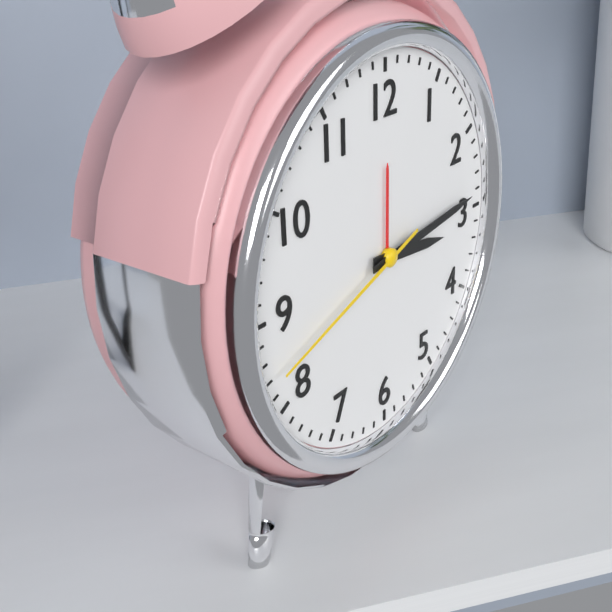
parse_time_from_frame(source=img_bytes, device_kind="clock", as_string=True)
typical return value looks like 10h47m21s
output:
3h14m42s
